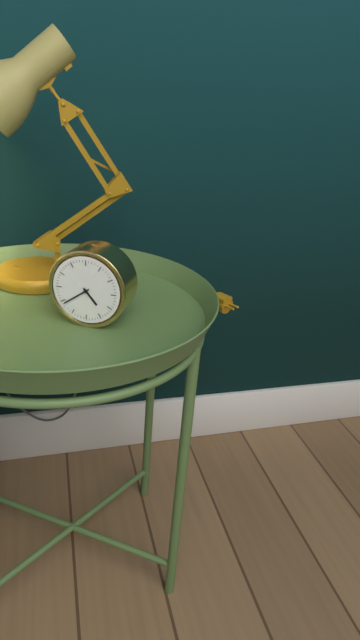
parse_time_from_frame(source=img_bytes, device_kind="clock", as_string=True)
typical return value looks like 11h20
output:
4h39
